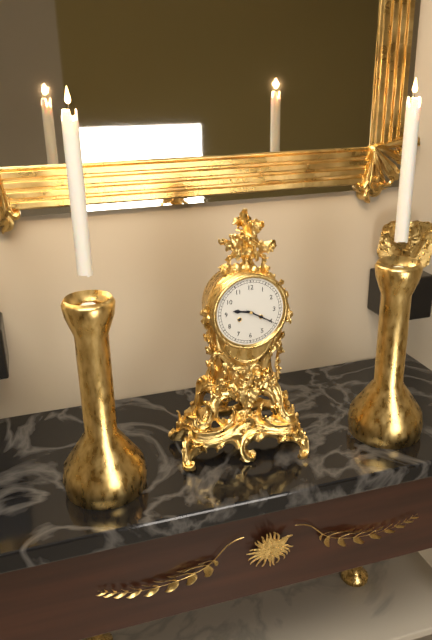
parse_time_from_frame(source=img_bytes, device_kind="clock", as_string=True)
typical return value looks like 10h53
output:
9h20
